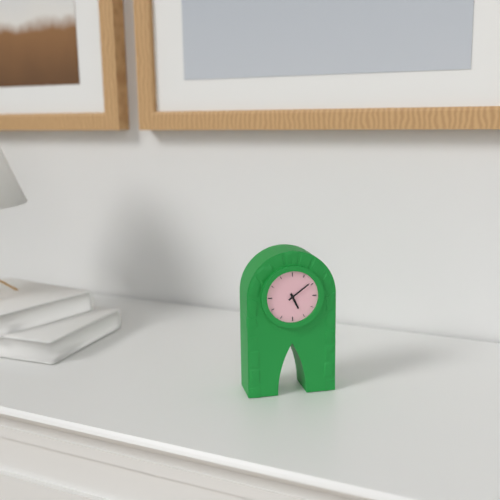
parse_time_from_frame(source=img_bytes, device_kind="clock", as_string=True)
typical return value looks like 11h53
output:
5h09
